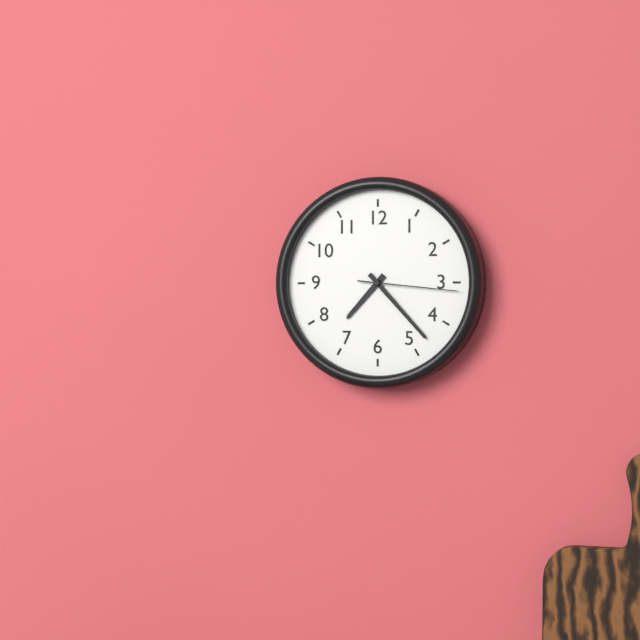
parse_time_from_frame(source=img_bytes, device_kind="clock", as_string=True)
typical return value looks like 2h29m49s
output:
7h23m16s
